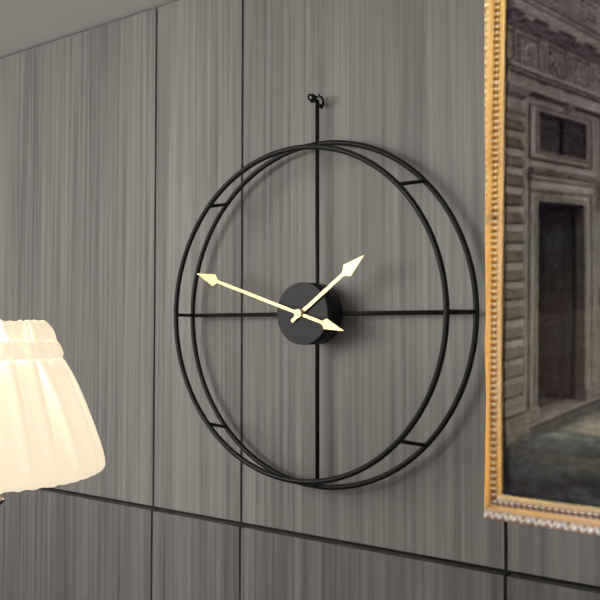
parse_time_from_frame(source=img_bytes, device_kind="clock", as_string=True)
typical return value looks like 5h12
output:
1h48
